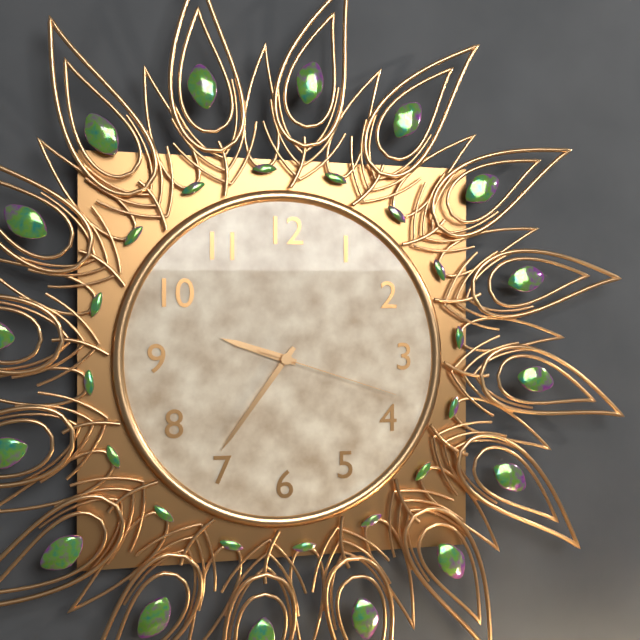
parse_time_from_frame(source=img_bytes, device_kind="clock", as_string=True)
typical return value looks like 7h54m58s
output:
9h36m18s
